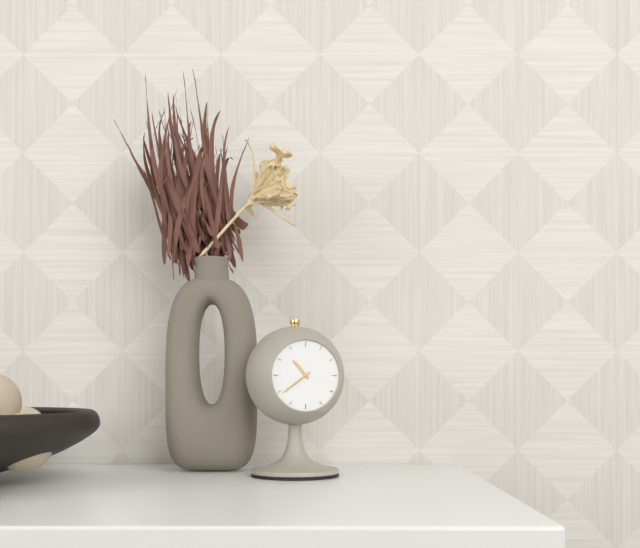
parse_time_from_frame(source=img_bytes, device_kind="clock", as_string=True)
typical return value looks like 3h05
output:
10h39
